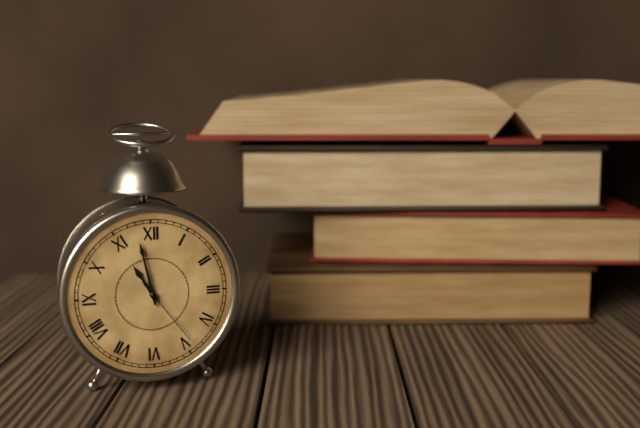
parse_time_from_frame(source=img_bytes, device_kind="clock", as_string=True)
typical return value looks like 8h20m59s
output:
10h58m24s
